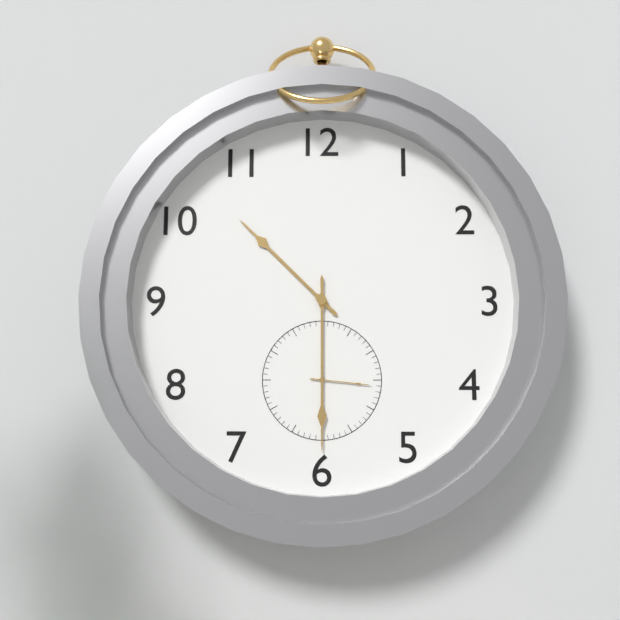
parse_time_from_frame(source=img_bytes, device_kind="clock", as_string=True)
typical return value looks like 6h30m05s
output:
10h30m16s
